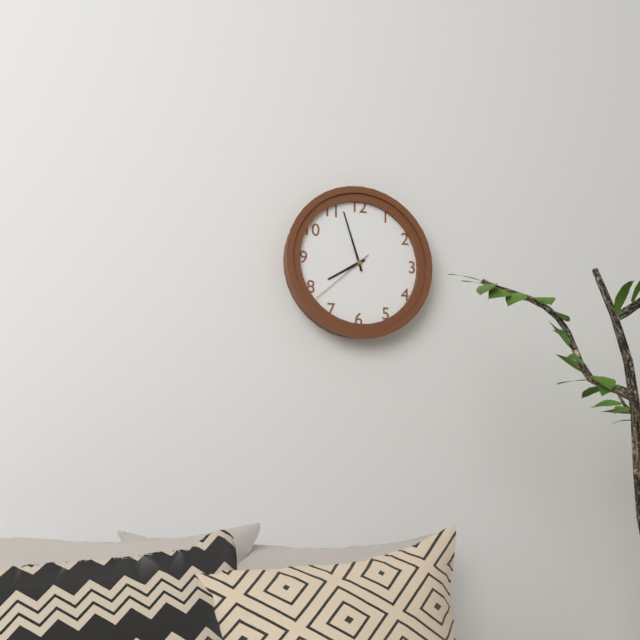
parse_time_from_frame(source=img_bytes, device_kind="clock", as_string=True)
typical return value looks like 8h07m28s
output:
7h57m38s
